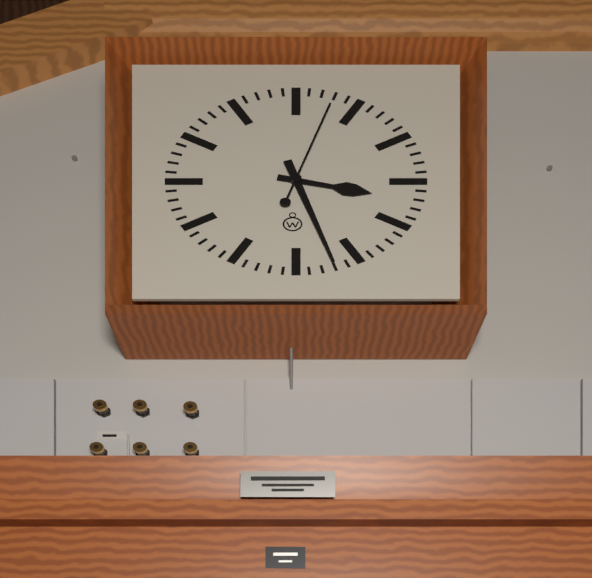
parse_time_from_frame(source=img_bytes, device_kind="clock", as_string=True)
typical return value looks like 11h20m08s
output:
3h27m03s
